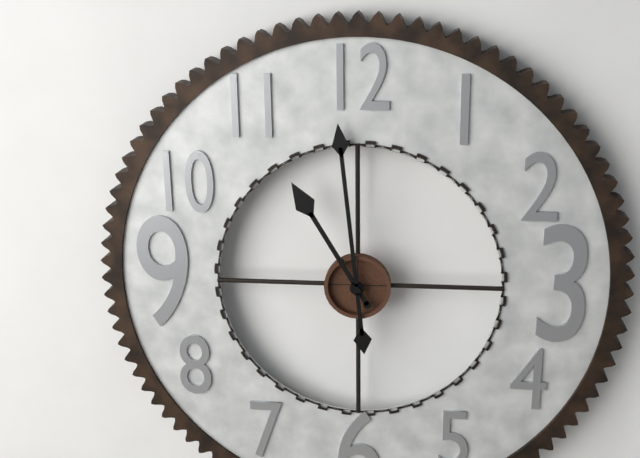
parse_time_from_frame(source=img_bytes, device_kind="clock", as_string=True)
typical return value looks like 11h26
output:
10h59
